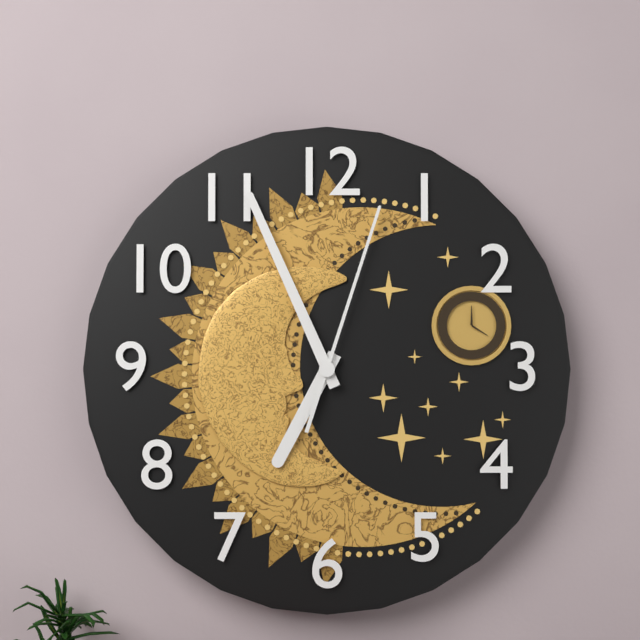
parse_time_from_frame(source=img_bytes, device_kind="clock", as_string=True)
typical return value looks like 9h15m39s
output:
6h56m03s
